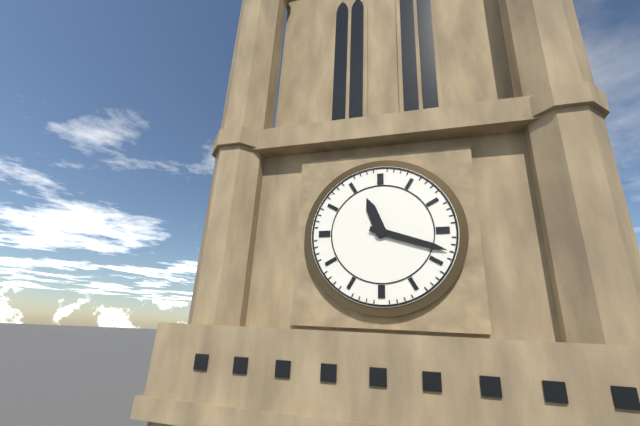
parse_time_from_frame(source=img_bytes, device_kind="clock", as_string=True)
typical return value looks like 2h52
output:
11h18
